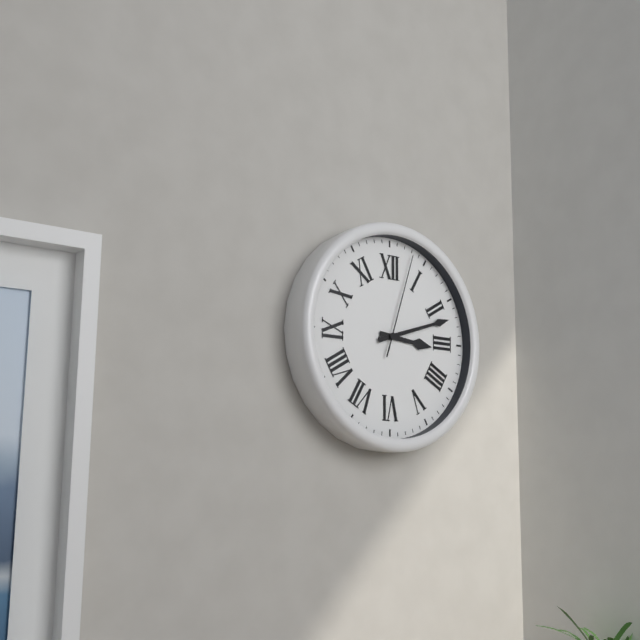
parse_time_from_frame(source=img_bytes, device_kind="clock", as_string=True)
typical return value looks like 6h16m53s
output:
3h12m03s
